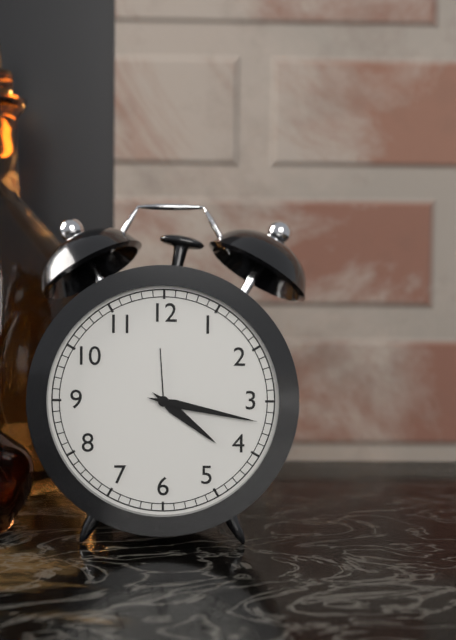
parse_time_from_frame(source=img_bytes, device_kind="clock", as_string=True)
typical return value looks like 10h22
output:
4h17
